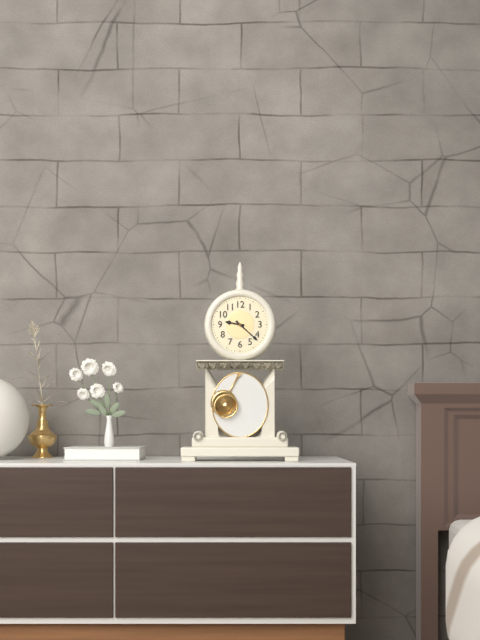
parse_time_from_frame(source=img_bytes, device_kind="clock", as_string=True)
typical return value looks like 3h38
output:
9h22
